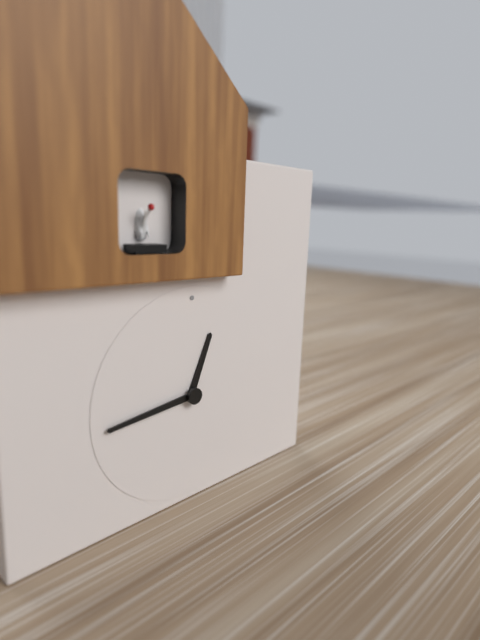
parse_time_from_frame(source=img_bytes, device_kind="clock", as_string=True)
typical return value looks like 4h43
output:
12h44
